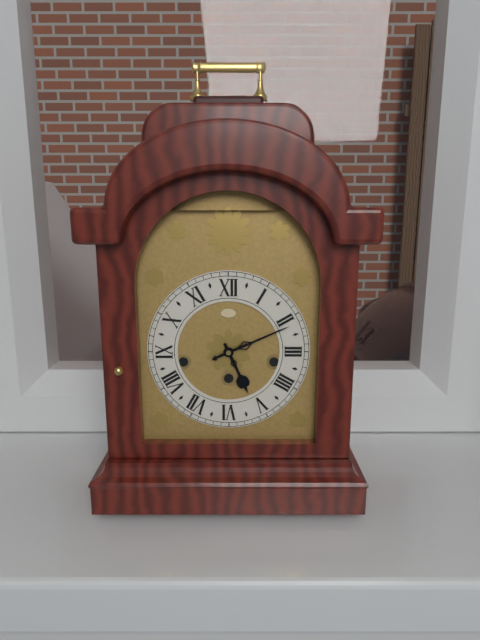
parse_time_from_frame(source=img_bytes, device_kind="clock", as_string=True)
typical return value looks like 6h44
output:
5h11
